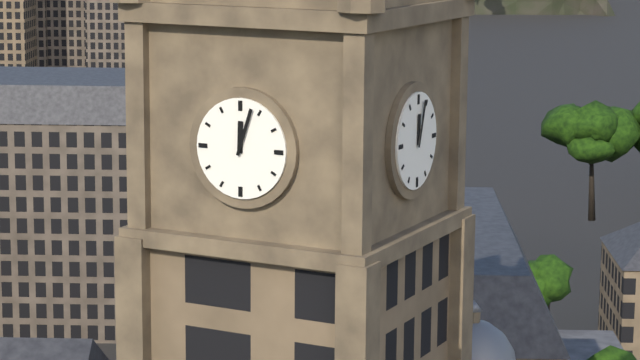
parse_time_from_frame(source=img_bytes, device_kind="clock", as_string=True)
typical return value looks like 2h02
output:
12h03
